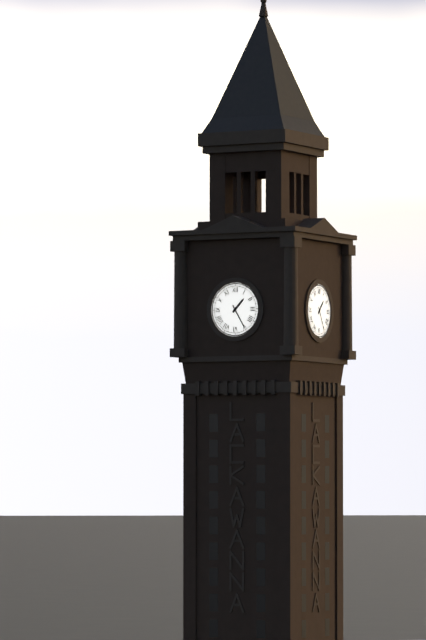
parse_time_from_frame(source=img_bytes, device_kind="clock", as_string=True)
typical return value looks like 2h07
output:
1h25
